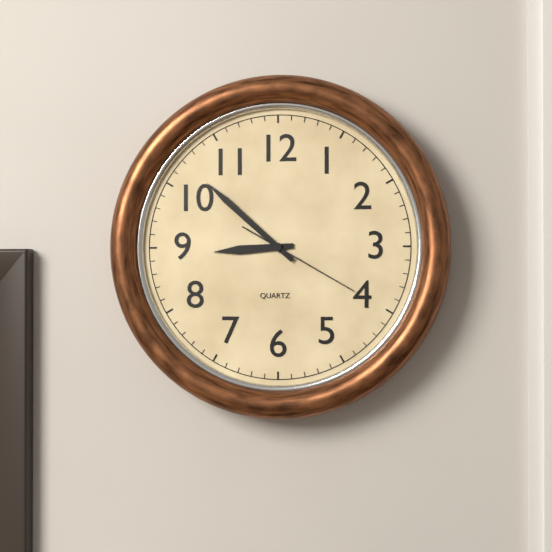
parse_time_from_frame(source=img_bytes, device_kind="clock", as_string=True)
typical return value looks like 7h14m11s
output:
8h52m20s
